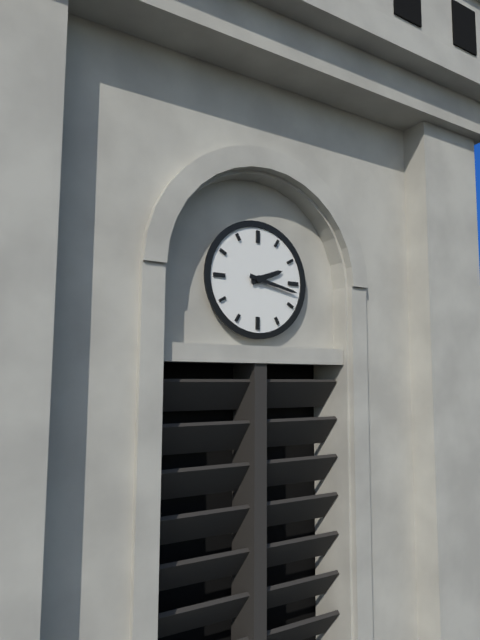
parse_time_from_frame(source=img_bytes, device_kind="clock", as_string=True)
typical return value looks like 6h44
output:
2h17
